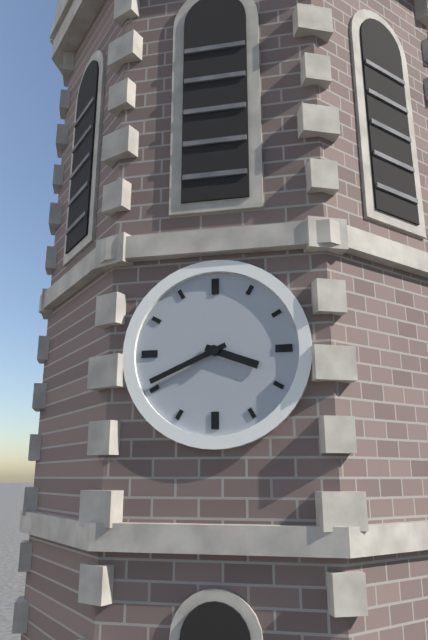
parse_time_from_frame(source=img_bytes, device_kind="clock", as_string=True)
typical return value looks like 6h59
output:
3h41
